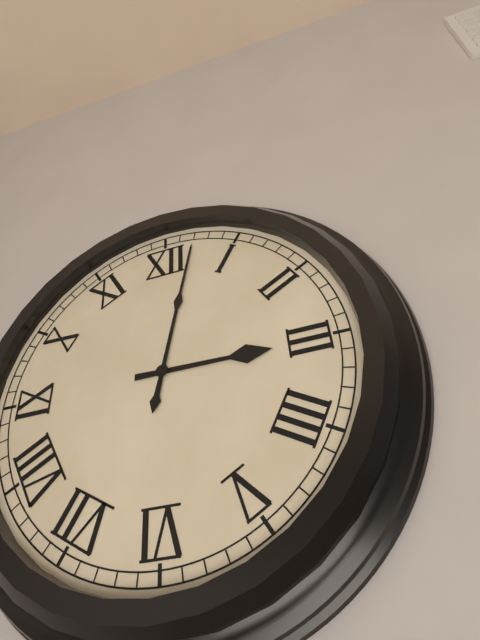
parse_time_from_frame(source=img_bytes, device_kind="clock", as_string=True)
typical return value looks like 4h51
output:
3h02
